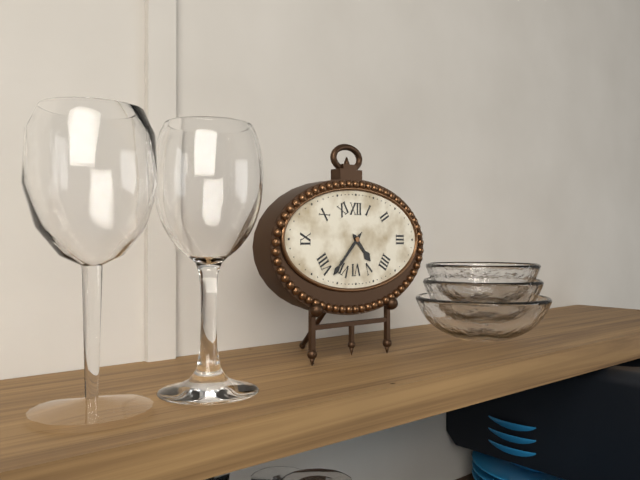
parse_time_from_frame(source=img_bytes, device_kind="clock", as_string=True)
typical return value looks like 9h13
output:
4h37
